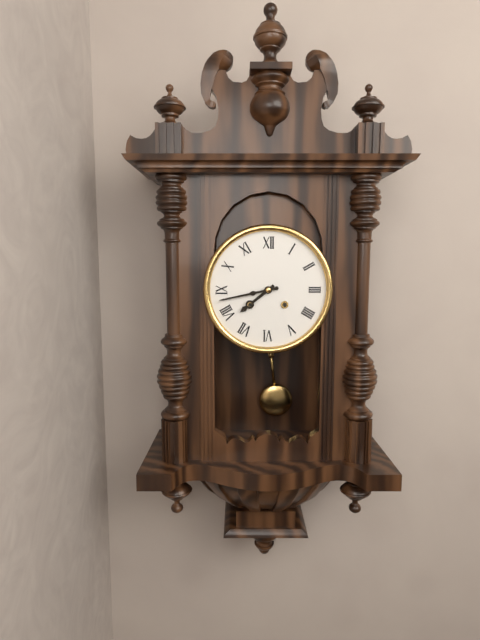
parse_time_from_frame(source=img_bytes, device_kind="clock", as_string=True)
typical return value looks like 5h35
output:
7h43
